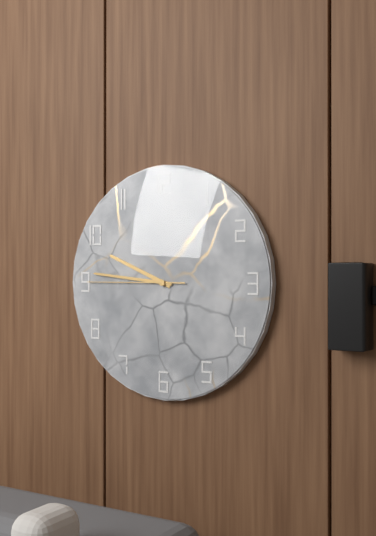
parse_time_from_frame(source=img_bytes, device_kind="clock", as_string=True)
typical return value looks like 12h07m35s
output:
9h46m45s
